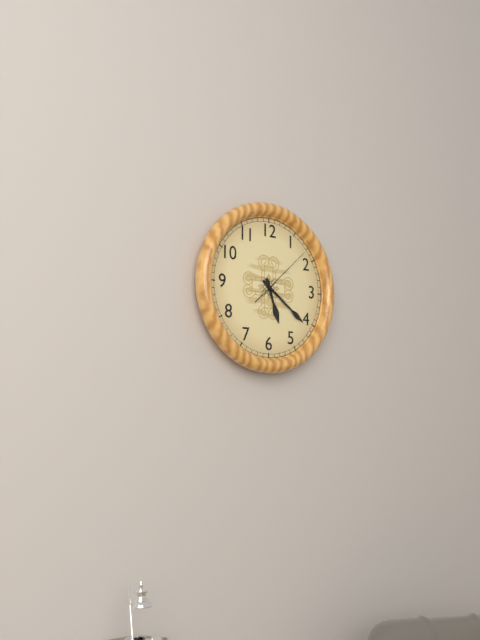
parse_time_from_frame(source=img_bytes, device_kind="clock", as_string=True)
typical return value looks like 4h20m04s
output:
5h21m08s
